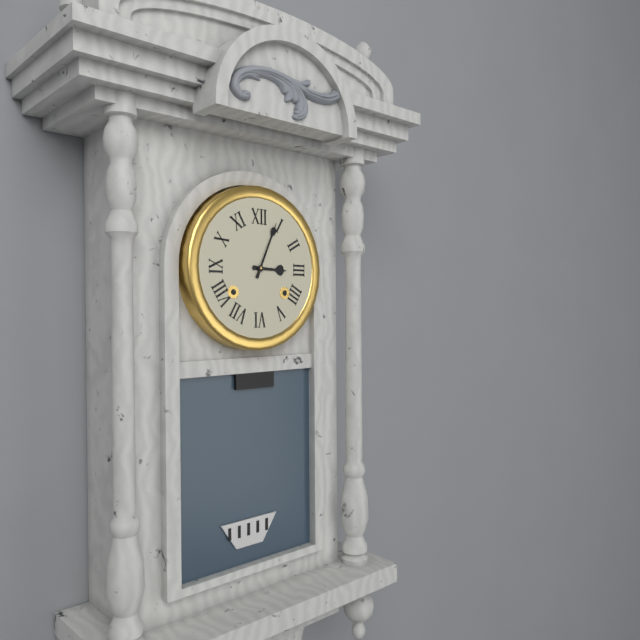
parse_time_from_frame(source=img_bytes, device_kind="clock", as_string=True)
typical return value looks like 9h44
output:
3h04
